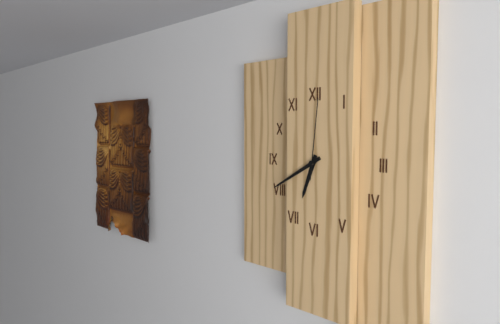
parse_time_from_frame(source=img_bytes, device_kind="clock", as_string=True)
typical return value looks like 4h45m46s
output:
6h40m01s
